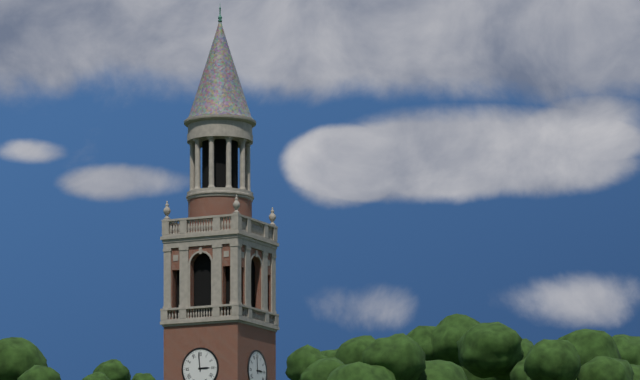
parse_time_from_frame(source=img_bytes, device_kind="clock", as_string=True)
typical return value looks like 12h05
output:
2h59
